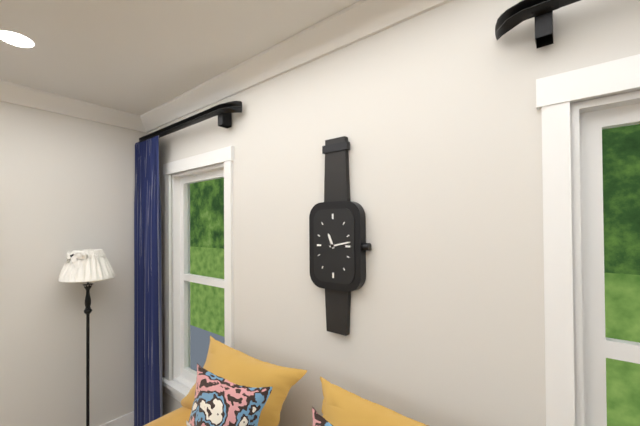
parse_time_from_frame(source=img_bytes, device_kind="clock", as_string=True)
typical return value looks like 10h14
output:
11h13
